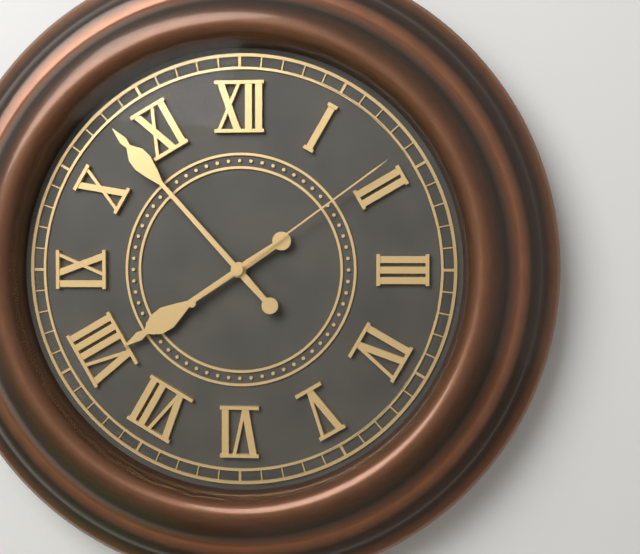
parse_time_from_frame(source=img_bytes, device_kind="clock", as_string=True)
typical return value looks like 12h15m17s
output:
7h53m09s
